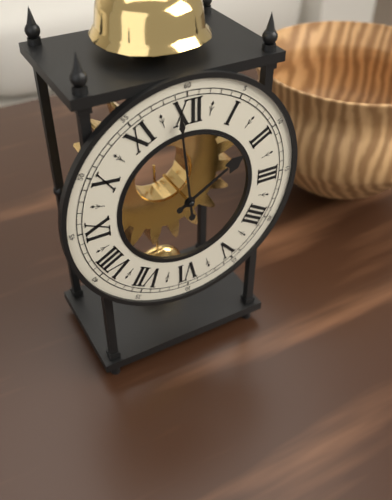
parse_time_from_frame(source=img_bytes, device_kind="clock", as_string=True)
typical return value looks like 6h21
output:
1h59
